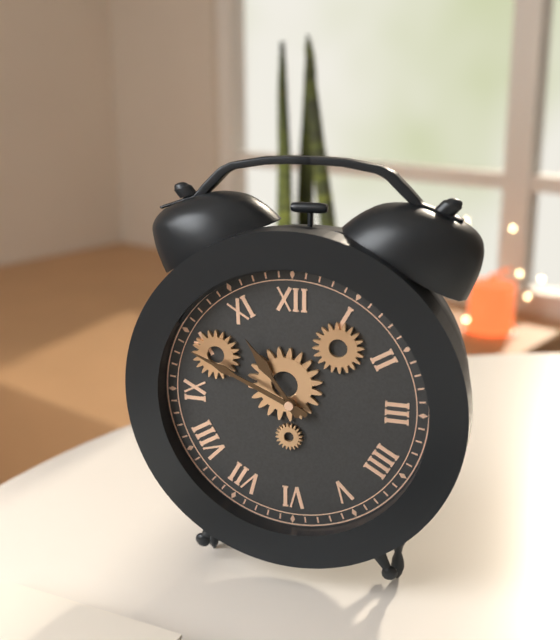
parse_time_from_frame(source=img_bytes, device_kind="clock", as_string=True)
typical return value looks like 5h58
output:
10h49
